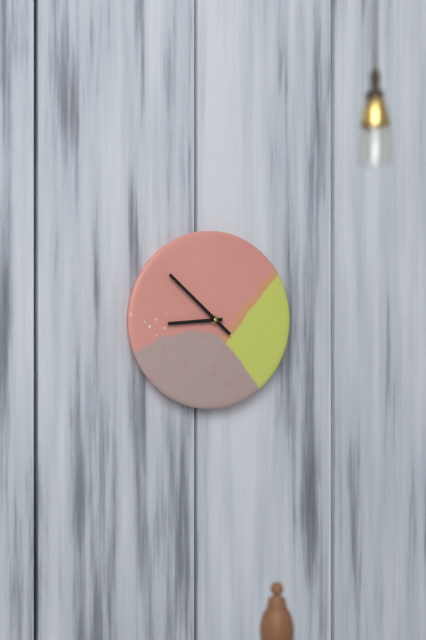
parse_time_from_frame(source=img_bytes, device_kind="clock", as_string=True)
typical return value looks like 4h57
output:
8h52
